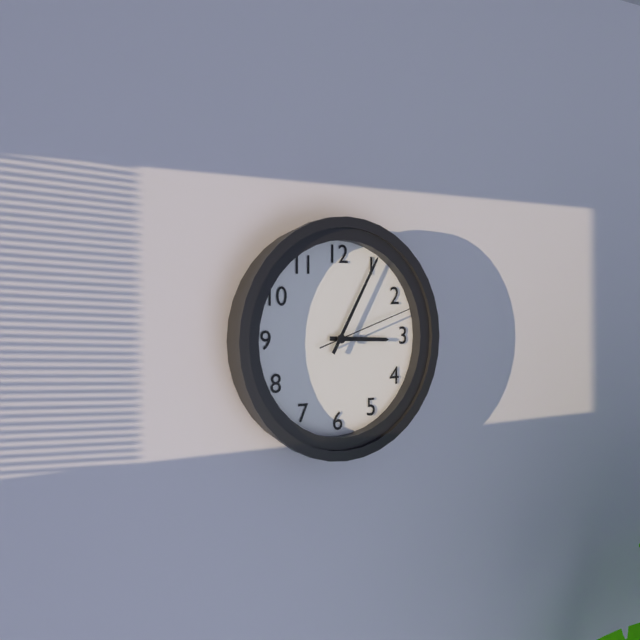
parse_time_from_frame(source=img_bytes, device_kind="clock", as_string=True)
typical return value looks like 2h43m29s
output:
3h05m12s
